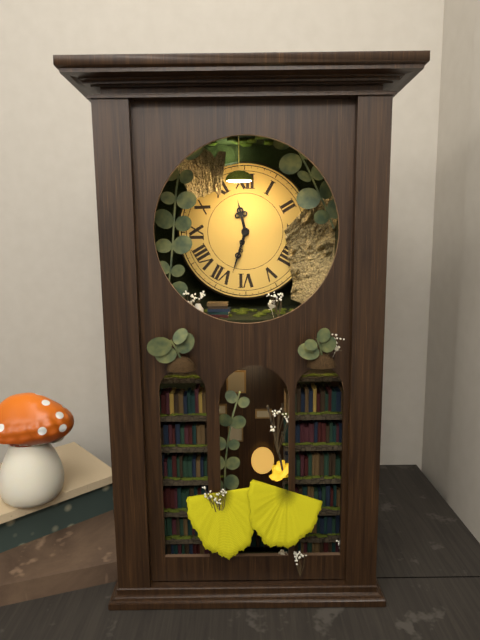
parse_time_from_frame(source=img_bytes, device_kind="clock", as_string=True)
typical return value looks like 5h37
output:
11h33
